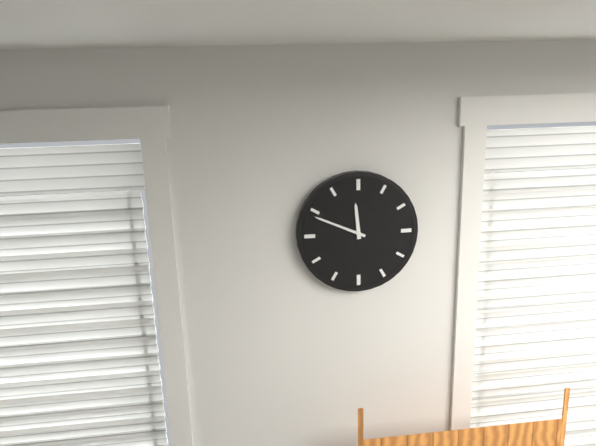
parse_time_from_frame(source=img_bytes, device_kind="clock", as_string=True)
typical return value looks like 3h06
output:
11h49
